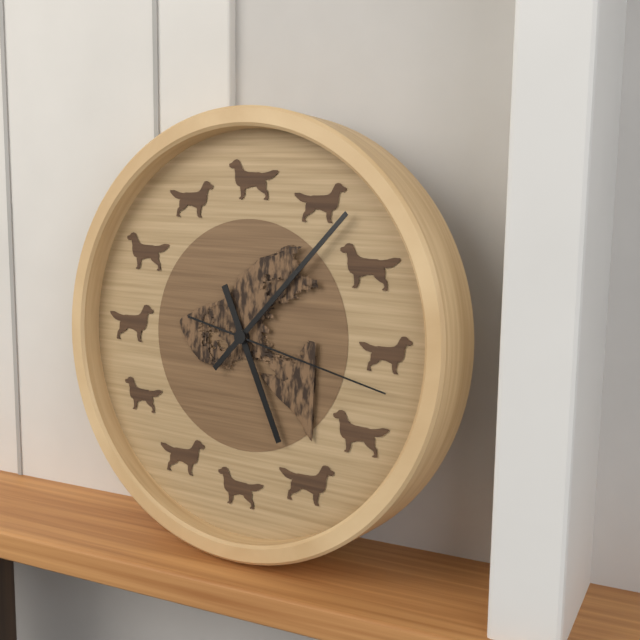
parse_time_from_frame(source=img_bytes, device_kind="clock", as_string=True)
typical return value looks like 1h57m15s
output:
5h07m17s
